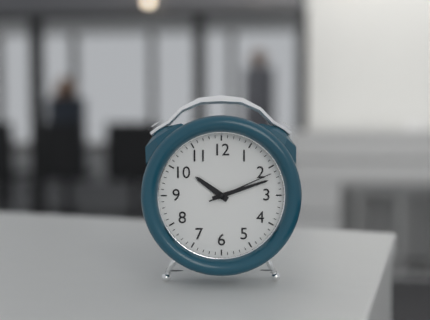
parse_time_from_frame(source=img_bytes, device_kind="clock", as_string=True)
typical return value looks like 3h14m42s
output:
10h12m11s
